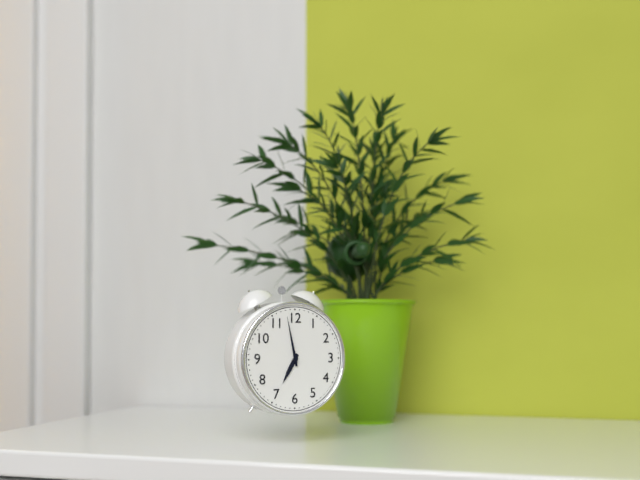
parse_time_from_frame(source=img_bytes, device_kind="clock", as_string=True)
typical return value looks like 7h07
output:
6h58
